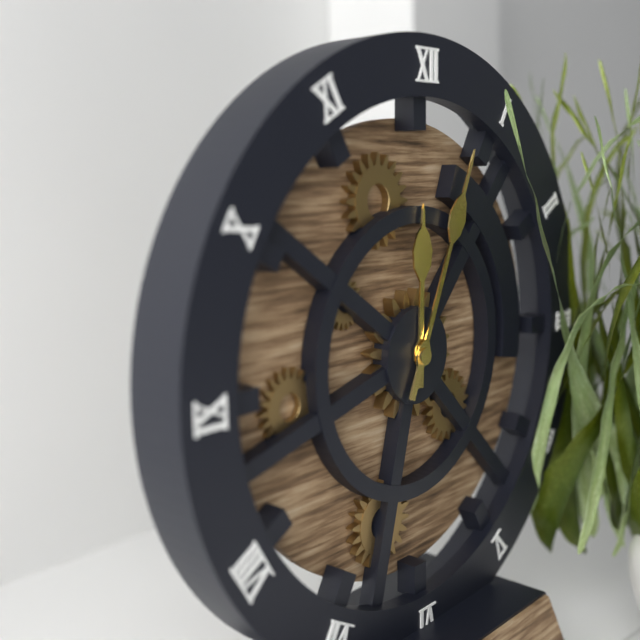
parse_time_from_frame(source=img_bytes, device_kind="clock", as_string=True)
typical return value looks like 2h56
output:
12h04
